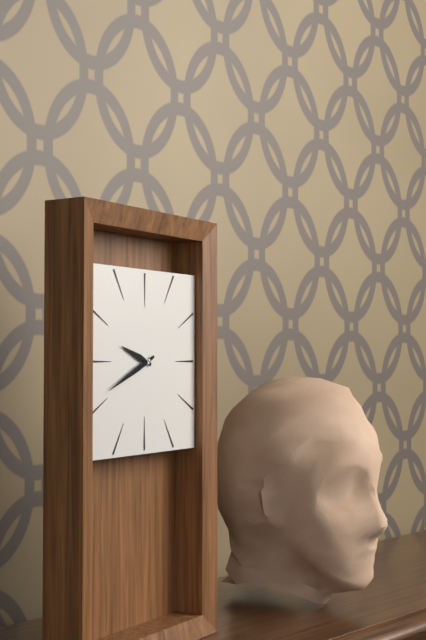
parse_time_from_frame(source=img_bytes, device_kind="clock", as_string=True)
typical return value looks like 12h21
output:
9h41
